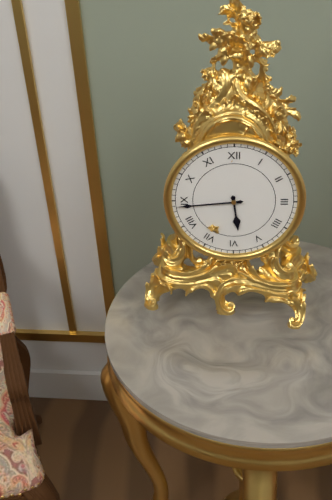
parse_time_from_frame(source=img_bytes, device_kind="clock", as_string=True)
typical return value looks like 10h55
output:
5h44
